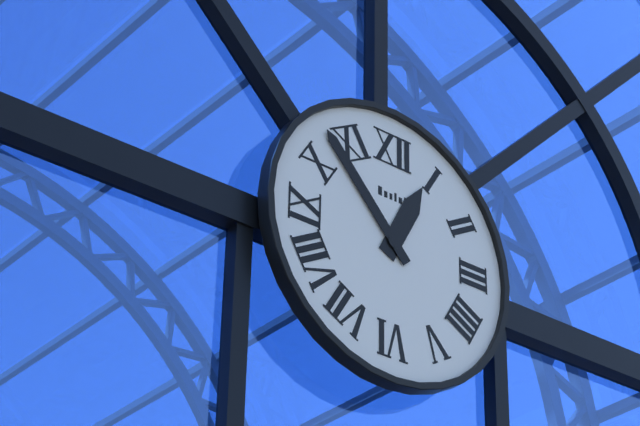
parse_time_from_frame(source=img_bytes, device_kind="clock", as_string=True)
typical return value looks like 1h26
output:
12h53
